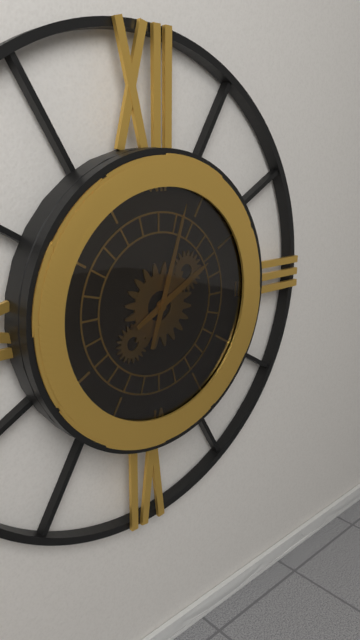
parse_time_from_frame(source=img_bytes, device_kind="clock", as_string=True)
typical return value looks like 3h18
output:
2h03
